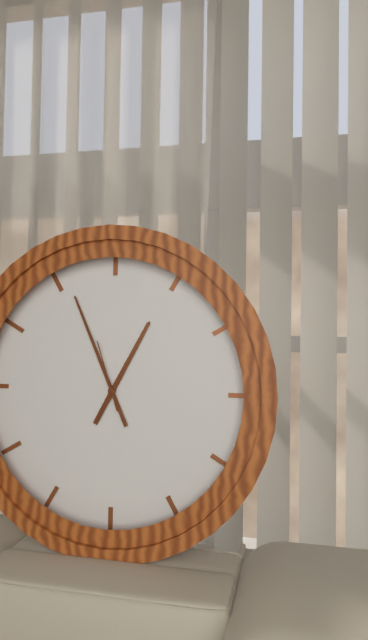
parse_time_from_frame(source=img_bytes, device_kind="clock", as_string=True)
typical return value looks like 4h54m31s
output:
12h56m57s
